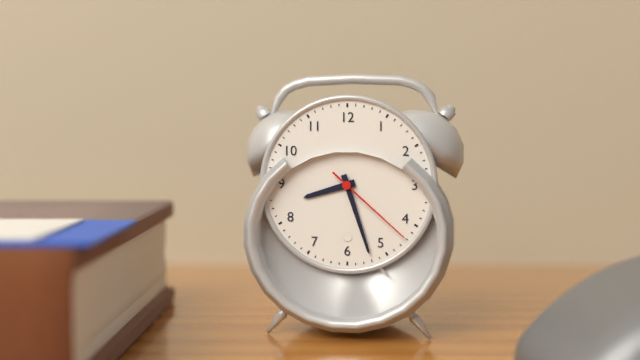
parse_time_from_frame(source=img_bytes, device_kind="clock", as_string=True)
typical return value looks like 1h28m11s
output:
8h27m22s
